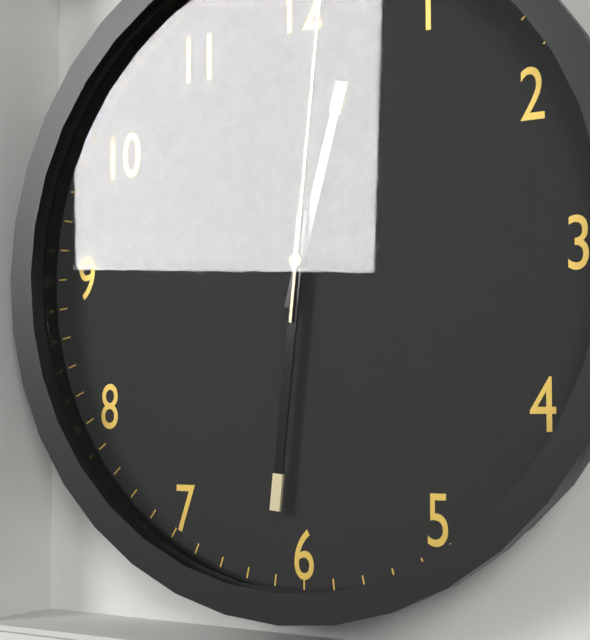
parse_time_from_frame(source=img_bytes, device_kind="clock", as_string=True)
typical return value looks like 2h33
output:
12h31
